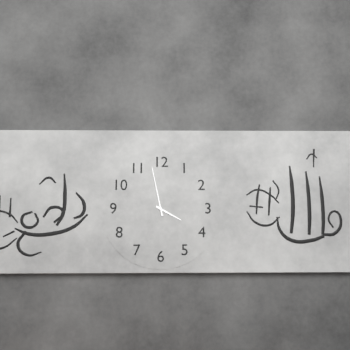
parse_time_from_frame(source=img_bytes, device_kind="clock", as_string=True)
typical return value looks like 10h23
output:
3h58
